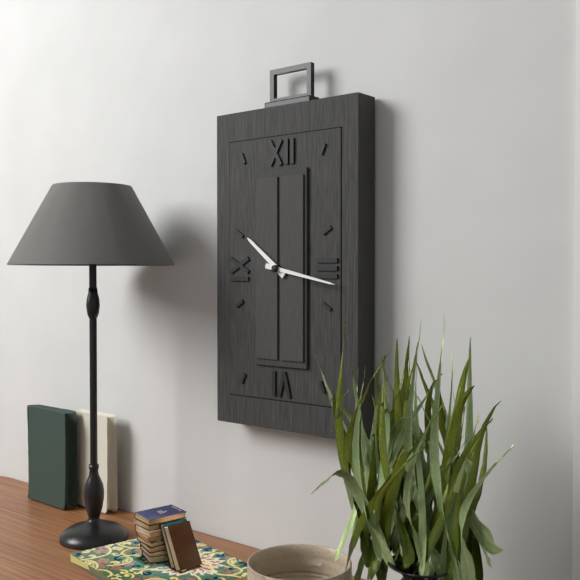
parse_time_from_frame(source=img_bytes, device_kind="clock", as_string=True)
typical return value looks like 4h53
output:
10h17
